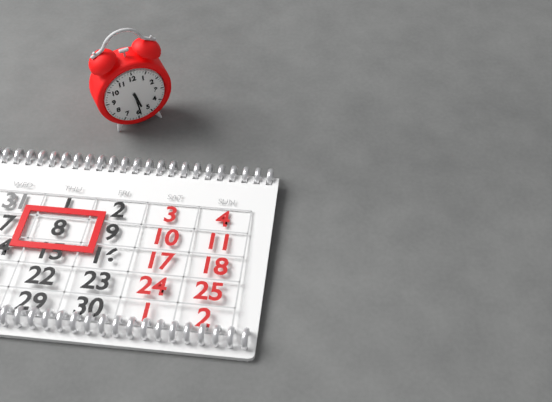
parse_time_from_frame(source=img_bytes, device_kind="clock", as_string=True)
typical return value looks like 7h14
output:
5h29
